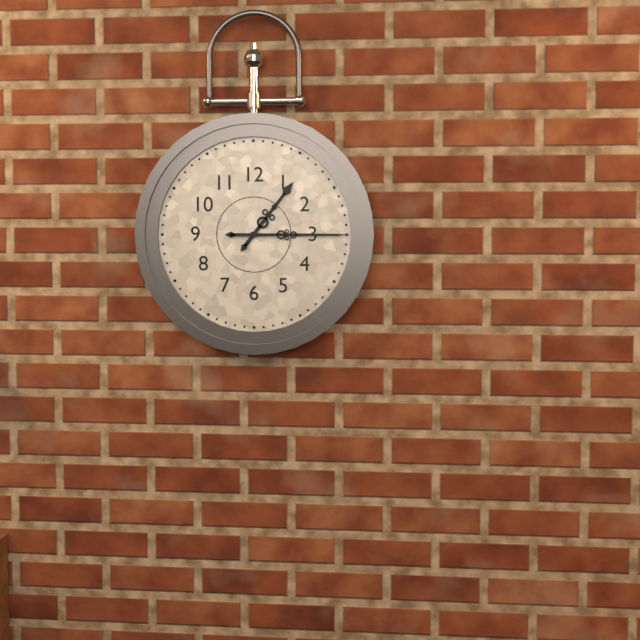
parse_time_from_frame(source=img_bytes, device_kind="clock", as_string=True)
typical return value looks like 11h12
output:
1h15
